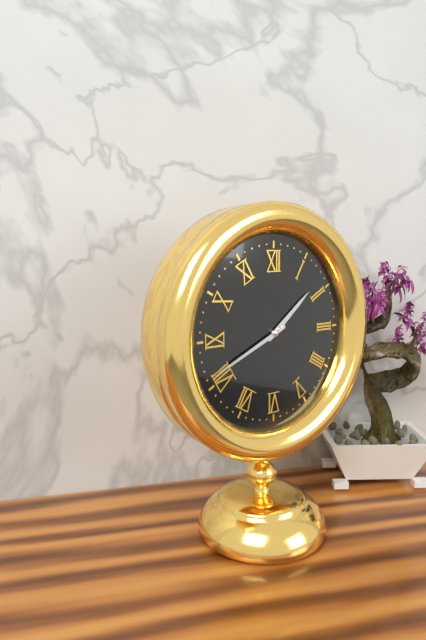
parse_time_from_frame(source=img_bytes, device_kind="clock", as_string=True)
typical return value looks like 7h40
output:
1h41
